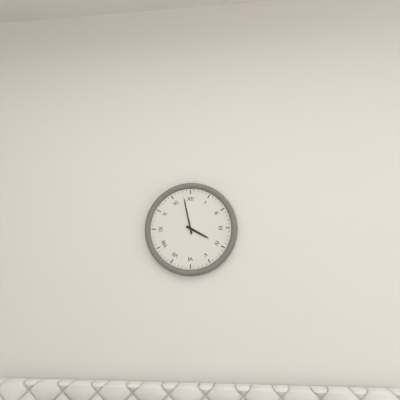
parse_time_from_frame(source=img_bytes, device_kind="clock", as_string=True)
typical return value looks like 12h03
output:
3h58
